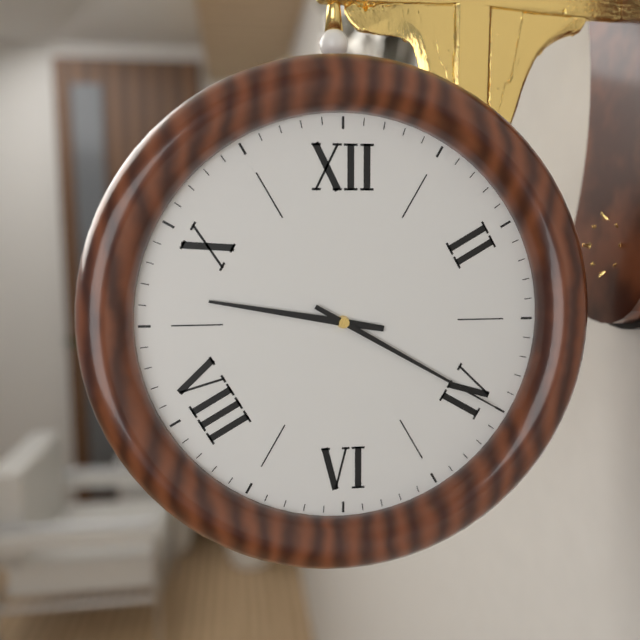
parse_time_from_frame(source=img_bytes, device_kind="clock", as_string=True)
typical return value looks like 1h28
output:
9h20
